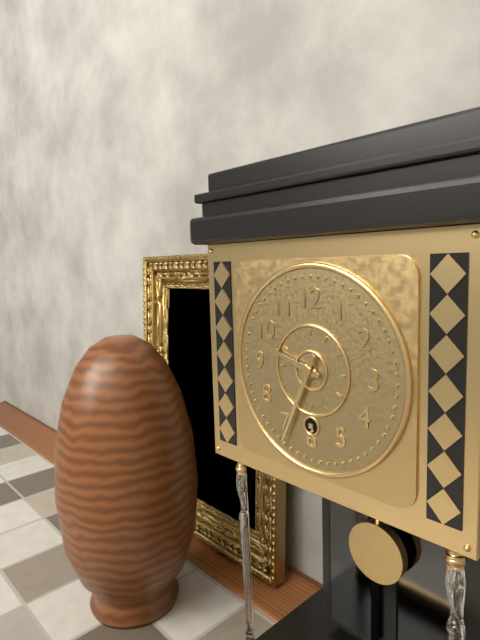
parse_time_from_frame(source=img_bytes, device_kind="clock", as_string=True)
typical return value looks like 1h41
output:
9h34
